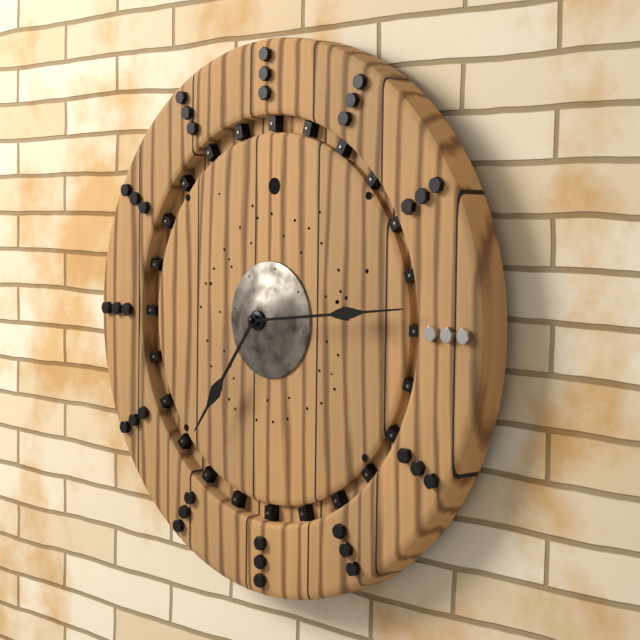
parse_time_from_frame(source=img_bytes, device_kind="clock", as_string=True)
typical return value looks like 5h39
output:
7h14
